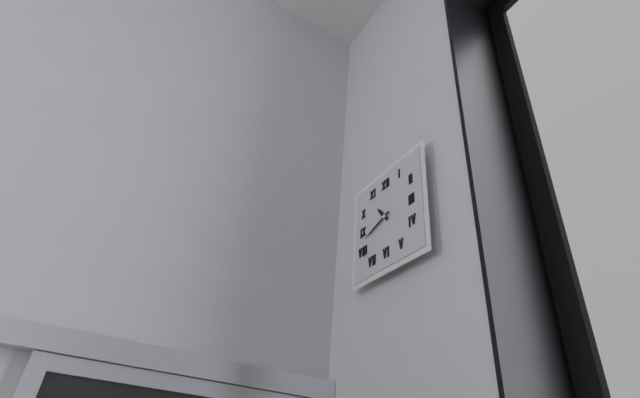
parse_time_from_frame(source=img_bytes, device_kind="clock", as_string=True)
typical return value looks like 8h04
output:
10h42
